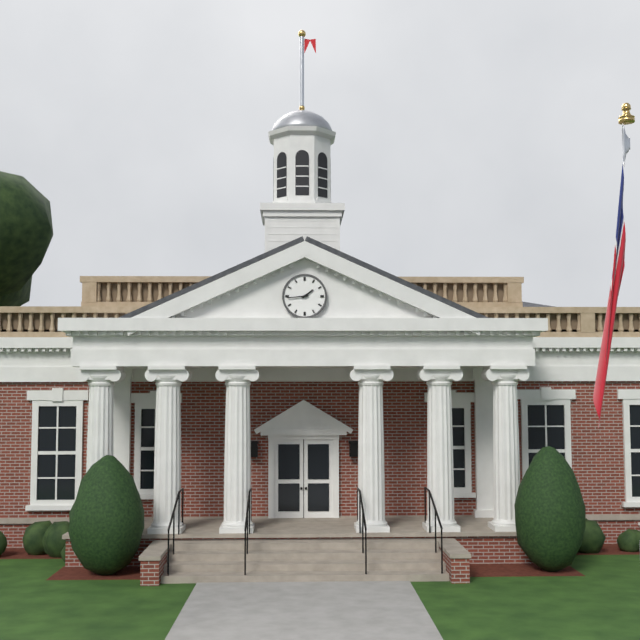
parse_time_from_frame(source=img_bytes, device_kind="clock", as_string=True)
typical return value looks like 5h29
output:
1h44
